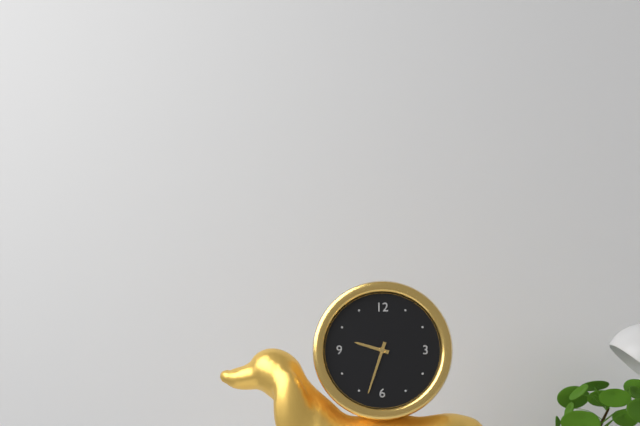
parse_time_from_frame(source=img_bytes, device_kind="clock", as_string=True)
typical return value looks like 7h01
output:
9h33
